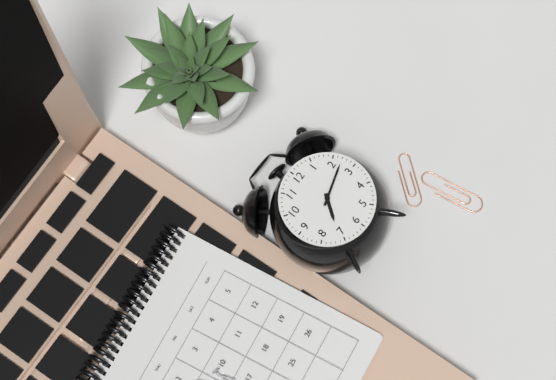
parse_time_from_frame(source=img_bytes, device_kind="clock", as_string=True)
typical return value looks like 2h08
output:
7h12
